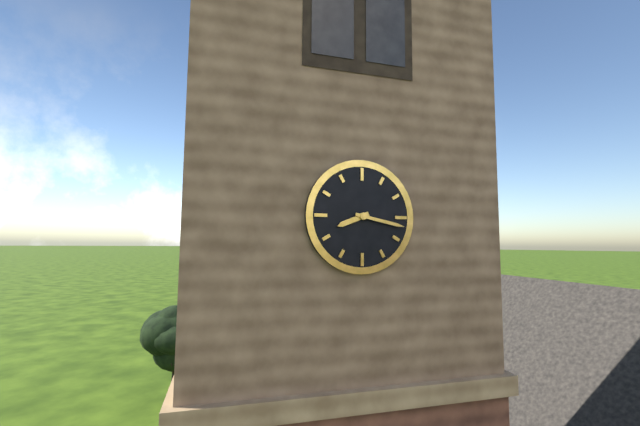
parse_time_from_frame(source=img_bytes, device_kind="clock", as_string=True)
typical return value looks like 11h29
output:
8h17
